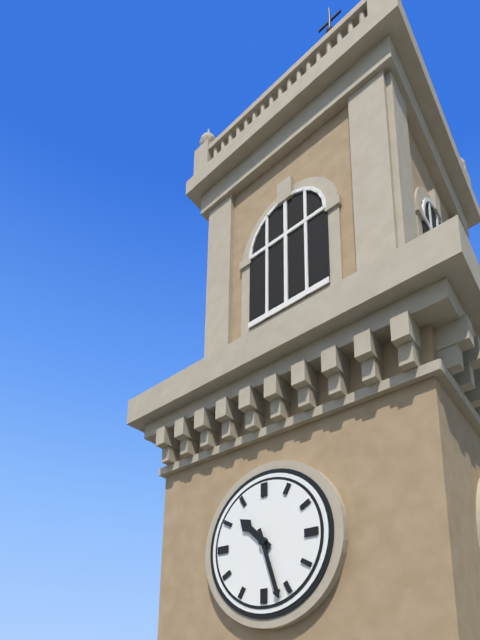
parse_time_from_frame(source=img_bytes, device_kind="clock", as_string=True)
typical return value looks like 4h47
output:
10h27
